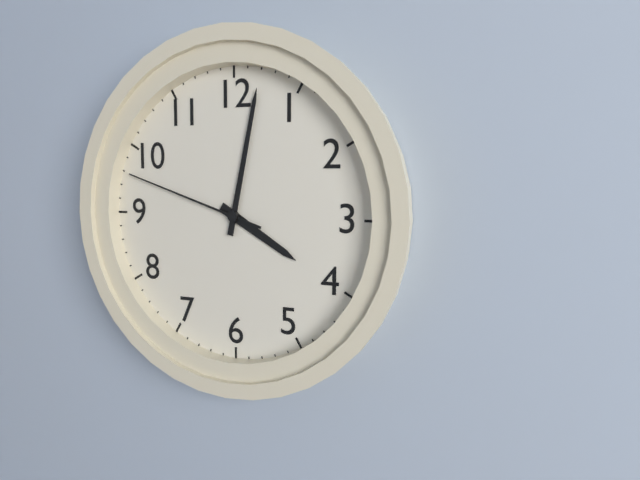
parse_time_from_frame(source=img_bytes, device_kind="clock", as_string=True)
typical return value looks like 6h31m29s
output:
4h02m48s
